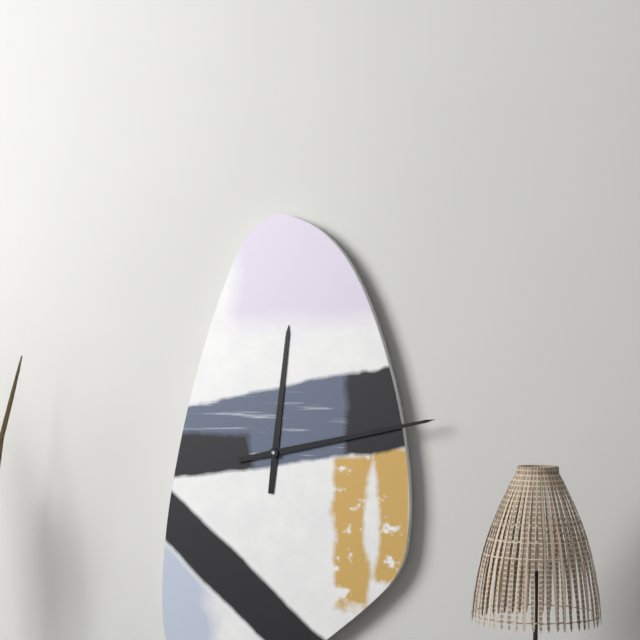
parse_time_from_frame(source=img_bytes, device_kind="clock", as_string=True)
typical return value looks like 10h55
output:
12h13
